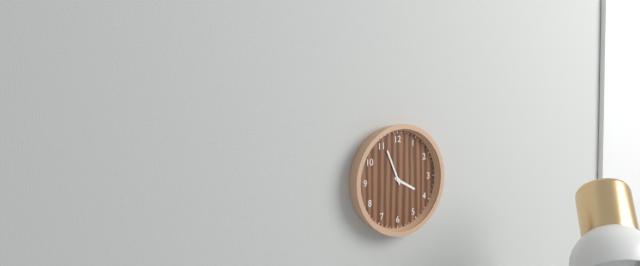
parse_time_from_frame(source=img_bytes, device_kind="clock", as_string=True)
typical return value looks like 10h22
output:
3h56
